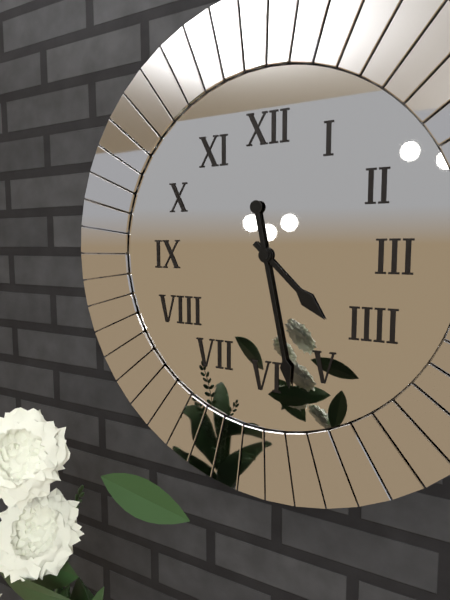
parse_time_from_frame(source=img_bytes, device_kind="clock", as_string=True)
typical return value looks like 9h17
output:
4h28
